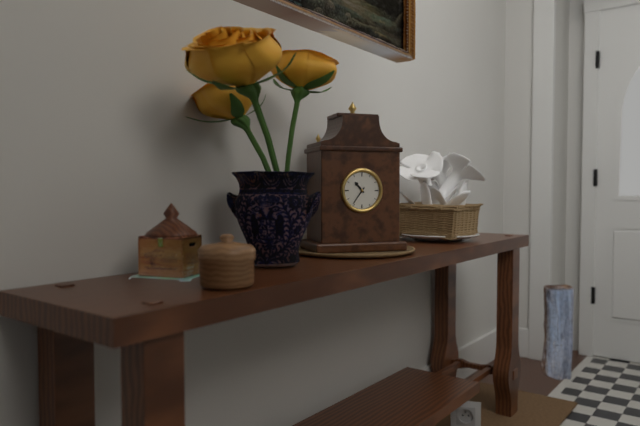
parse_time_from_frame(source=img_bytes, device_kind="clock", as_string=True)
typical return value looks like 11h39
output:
10h36
